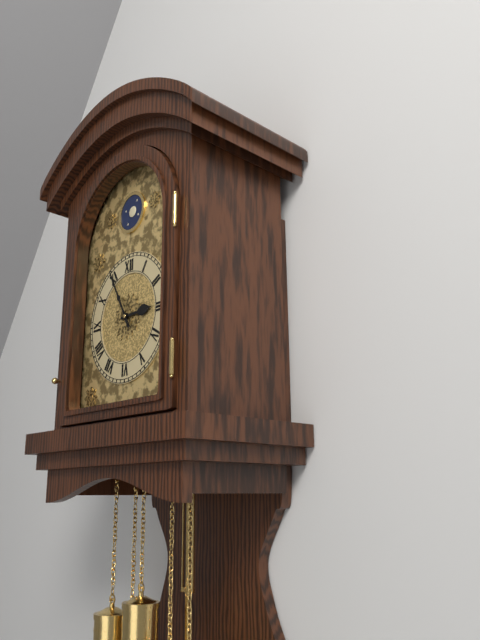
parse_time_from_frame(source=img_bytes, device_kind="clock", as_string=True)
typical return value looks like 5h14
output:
2h55
